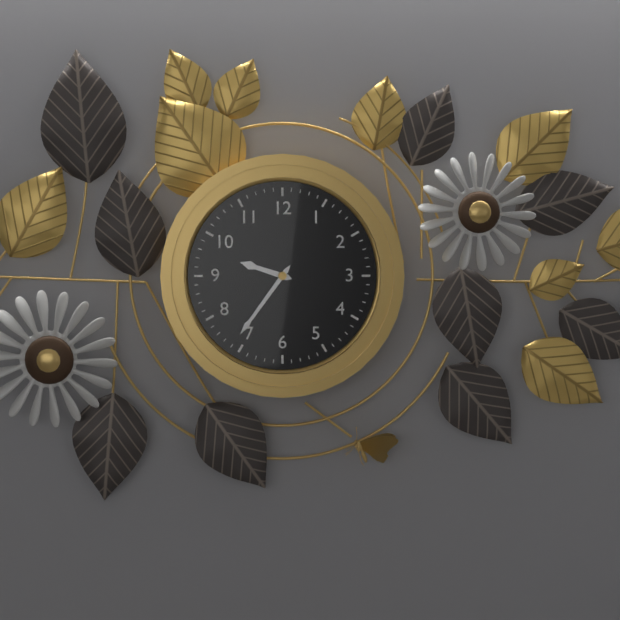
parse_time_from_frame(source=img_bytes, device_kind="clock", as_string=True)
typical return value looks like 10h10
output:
9h36
